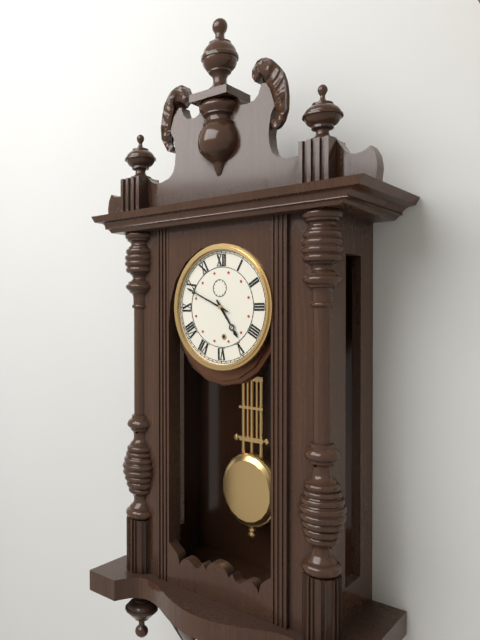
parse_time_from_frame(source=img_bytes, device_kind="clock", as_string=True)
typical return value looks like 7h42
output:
4h49
